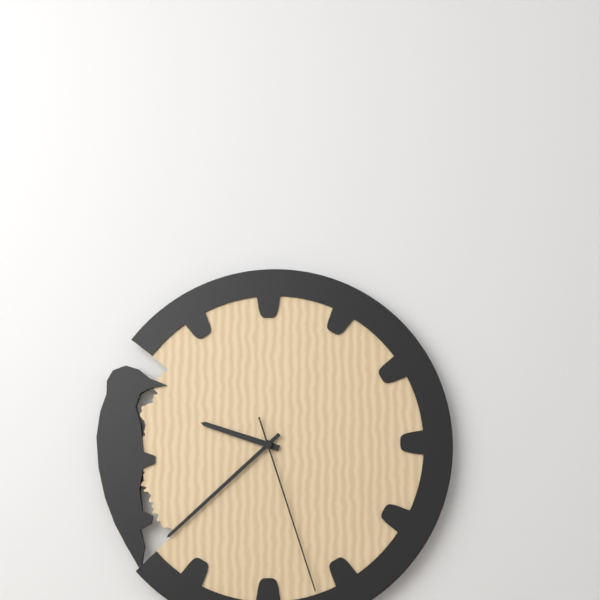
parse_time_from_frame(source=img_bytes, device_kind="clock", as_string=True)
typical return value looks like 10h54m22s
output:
9h38m27s
